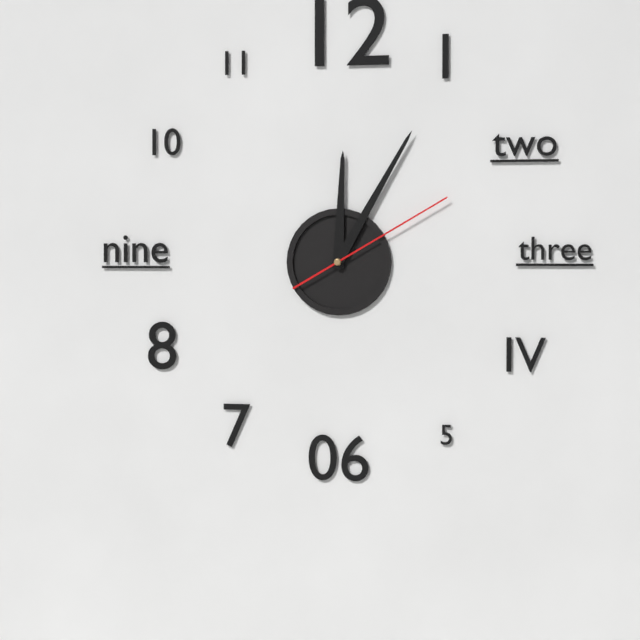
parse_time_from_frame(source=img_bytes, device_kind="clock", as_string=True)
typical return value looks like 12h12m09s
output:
12h05m10s
